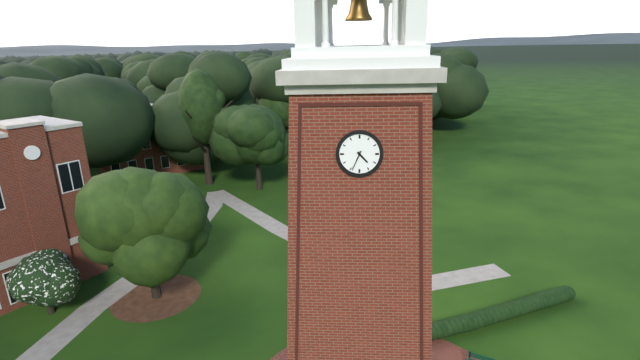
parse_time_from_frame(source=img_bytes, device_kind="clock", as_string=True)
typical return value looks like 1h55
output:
4h34
